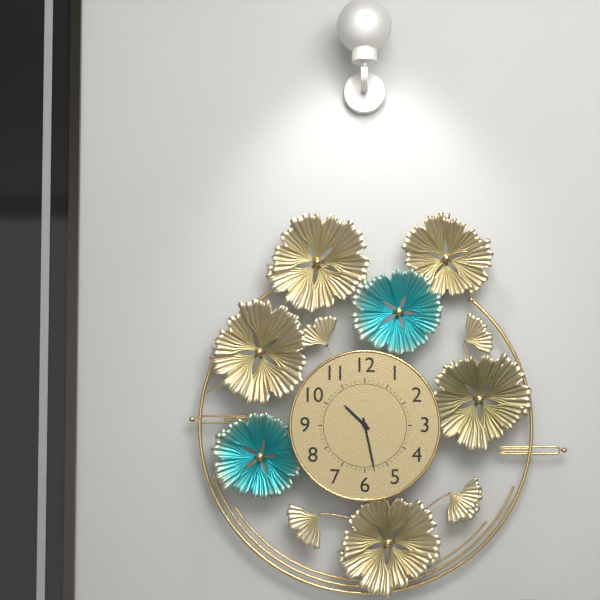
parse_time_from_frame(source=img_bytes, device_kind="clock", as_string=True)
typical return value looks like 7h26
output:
10h28
